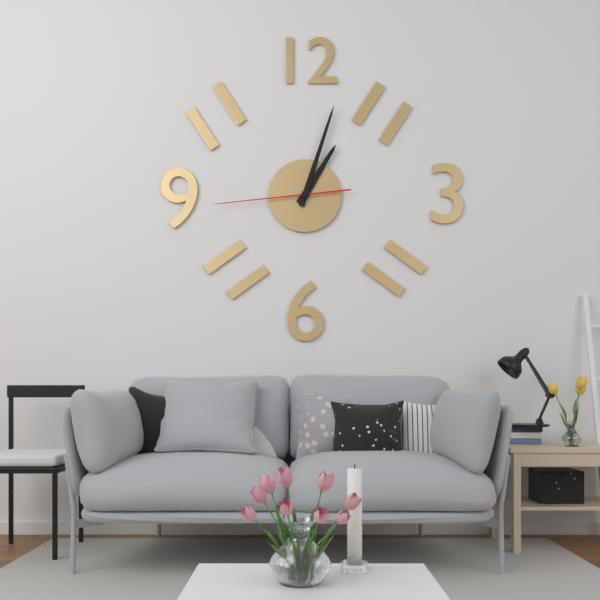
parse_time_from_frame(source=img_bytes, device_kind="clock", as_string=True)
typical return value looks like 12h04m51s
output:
1h03m44s
